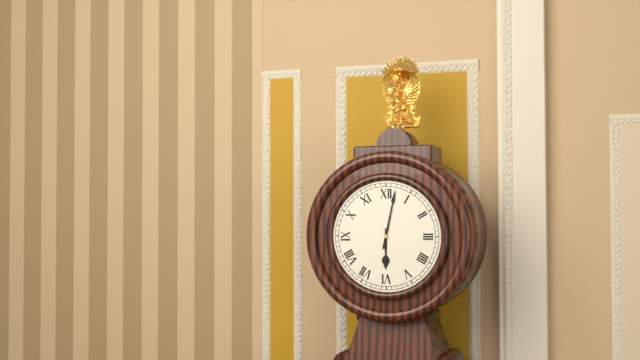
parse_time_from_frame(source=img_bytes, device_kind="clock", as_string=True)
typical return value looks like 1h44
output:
6h02
